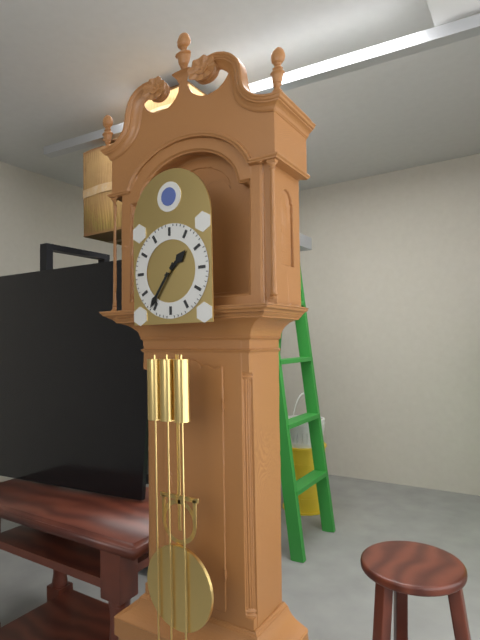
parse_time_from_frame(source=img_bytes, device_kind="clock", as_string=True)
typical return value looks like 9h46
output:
1h36
